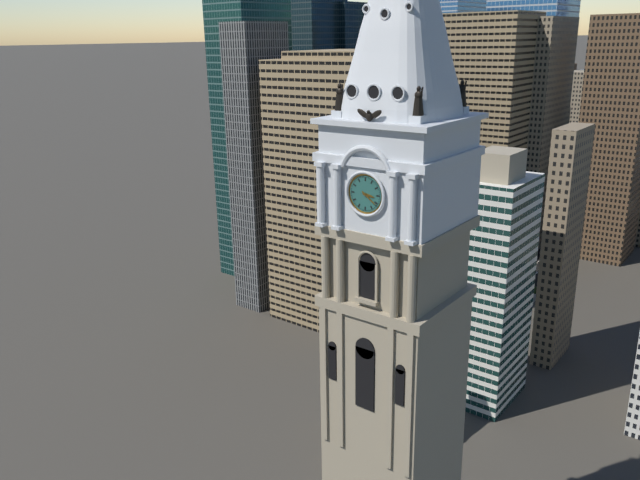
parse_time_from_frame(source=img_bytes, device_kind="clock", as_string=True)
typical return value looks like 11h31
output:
3h21
